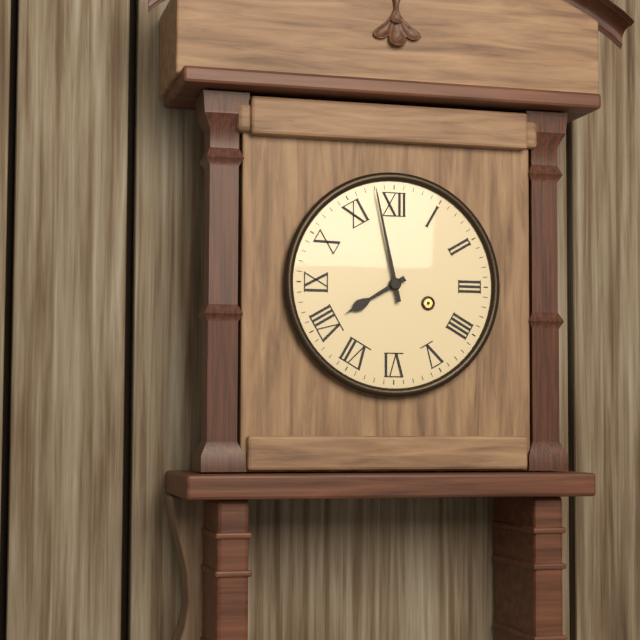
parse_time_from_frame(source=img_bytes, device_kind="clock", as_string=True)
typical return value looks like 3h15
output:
7h58
